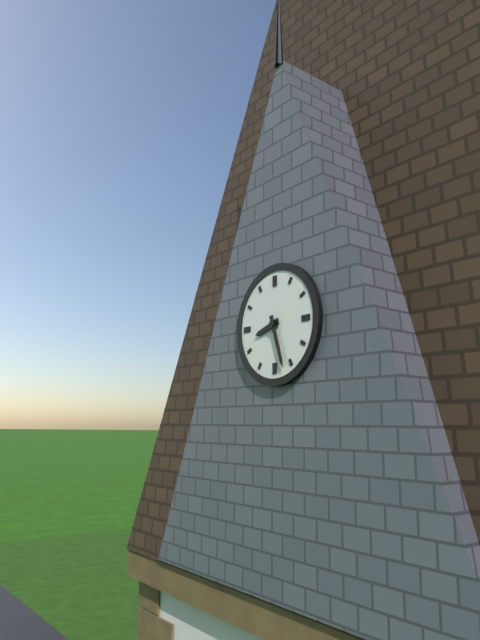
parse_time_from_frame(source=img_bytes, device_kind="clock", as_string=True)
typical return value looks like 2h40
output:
8h27
